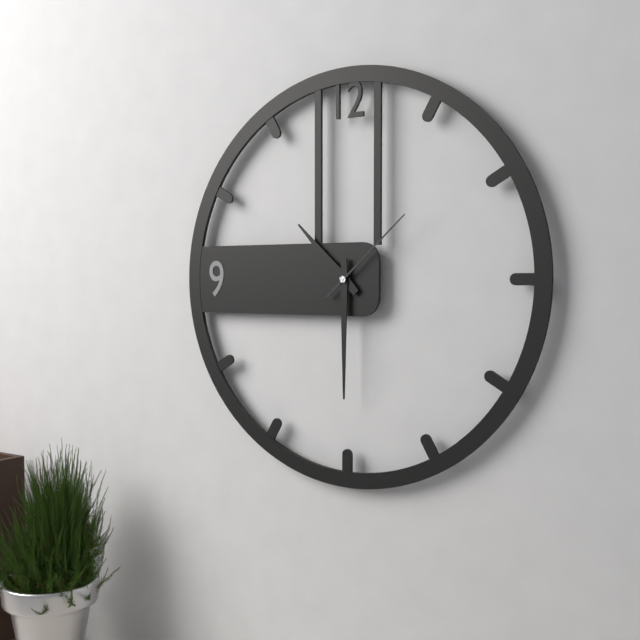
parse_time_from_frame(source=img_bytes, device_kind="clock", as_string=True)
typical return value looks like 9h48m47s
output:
10h30m08s
